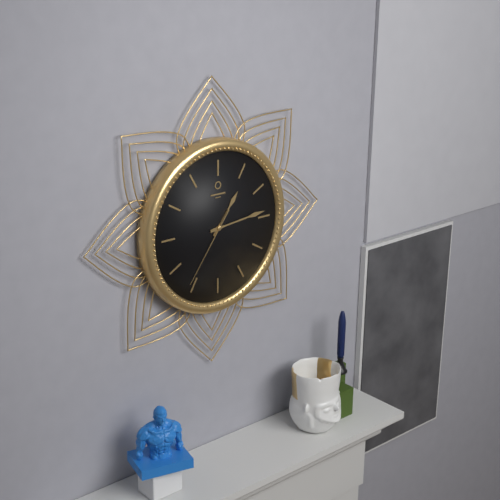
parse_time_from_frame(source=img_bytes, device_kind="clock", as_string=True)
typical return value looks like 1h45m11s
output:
1h14m36s
